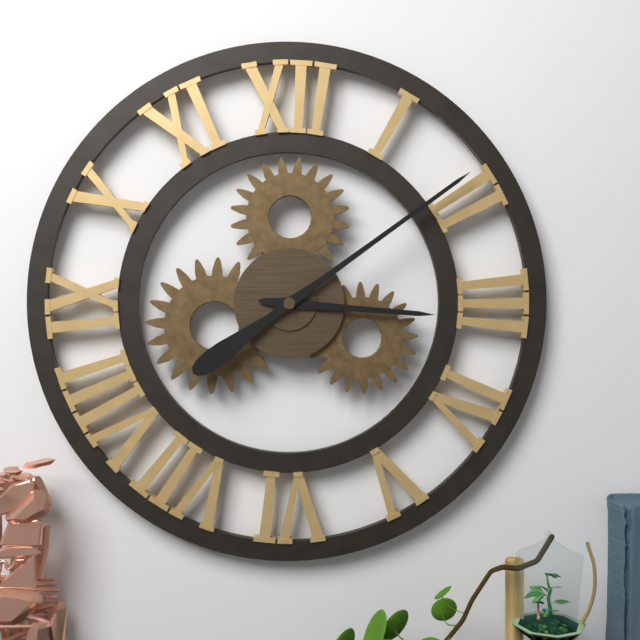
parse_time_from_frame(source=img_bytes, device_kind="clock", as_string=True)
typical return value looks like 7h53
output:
3h09
